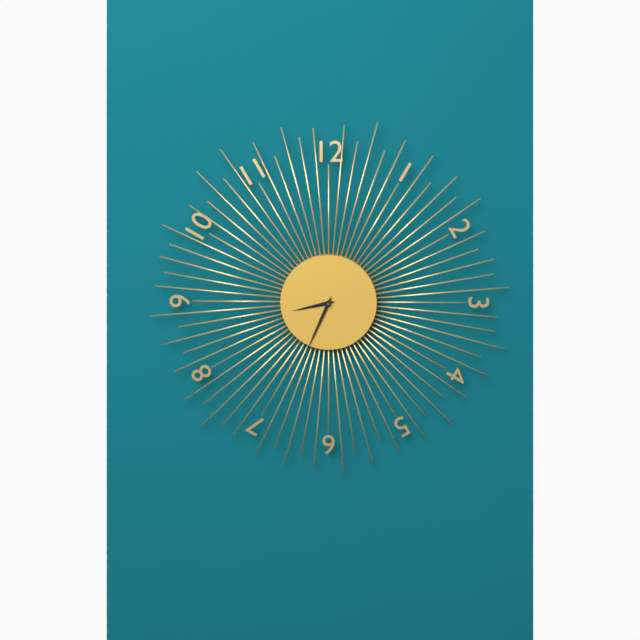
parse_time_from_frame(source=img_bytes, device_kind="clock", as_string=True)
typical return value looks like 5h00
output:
8h34
